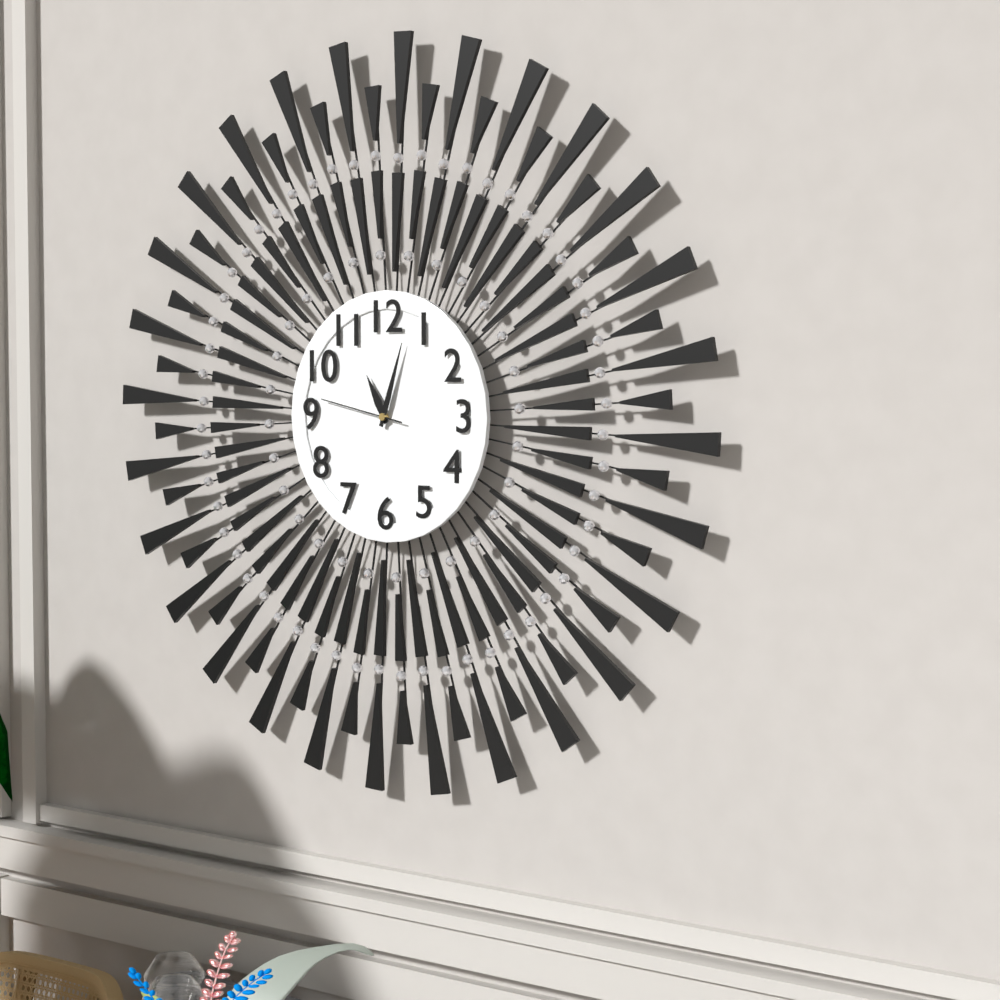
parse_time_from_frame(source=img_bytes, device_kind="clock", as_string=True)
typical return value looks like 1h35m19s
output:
11h03m47s
